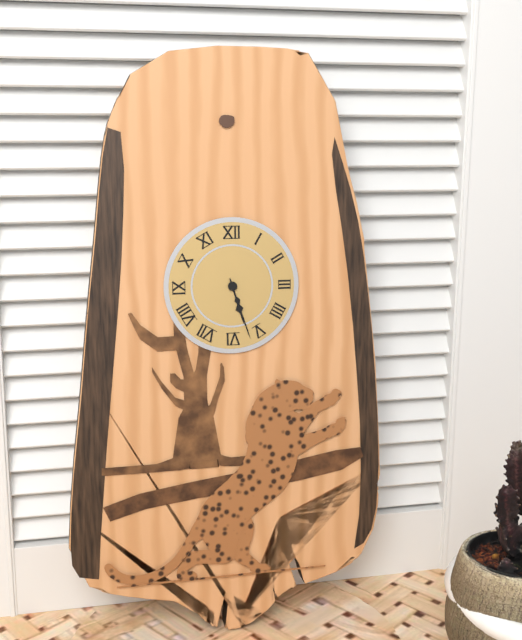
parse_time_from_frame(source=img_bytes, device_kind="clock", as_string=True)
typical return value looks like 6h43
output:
5h27
